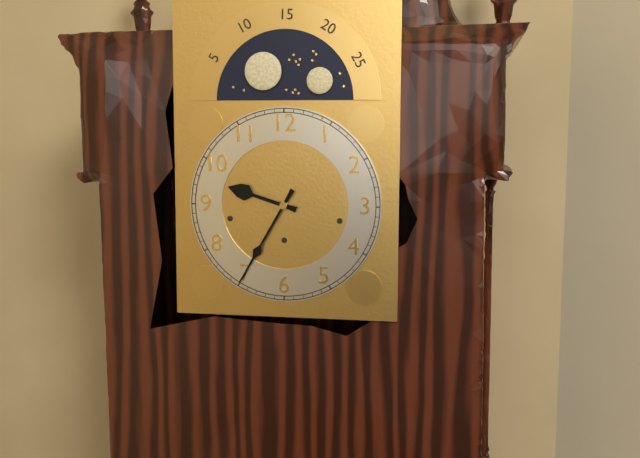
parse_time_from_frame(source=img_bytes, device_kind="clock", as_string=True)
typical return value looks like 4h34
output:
9h35
